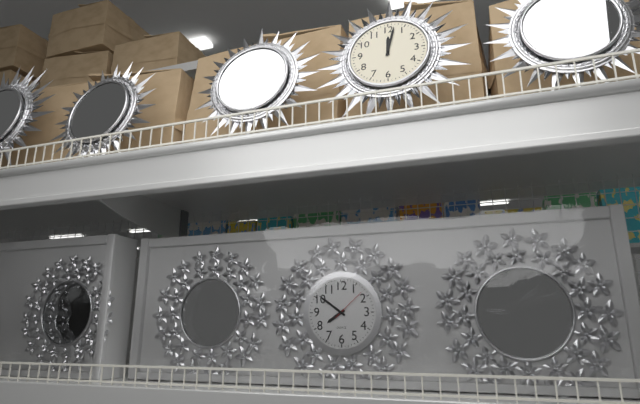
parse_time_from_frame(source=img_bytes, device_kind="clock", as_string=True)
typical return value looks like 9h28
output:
7h51
